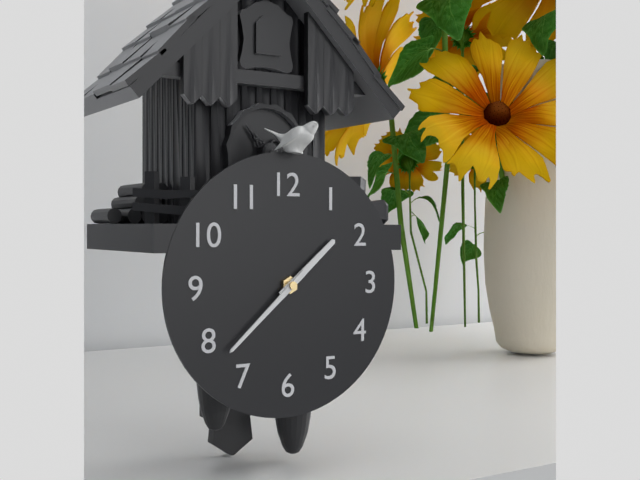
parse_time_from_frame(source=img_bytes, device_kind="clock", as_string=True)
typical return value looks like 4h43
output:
1h38
